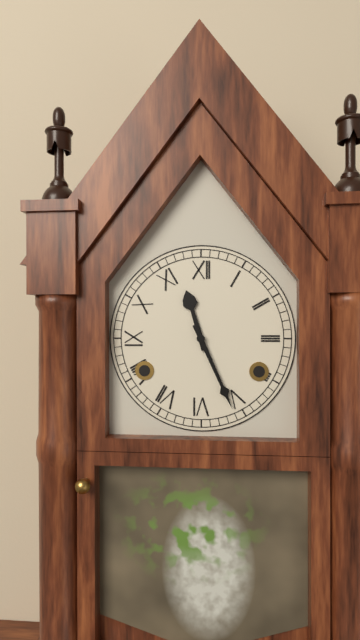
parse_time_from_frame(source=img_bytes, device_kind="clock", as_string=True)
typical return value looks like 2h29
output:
11h26
